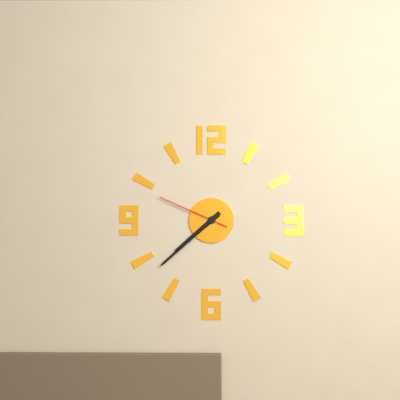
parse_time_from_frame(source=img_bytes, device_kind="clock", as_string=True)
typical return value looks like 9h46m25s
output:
7h38m49s
